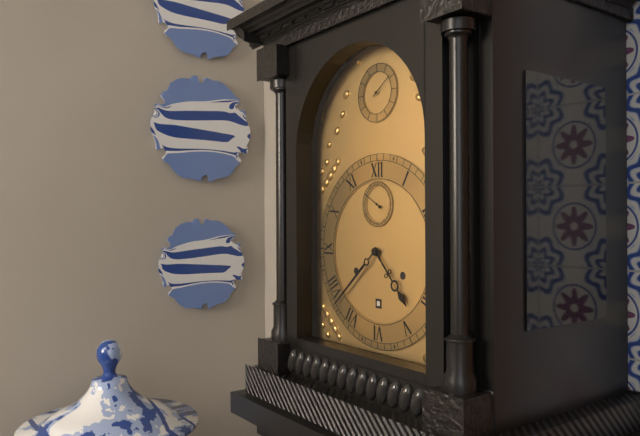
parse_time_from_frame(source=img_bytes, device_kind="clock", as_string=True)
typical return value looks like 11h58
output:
4h38
